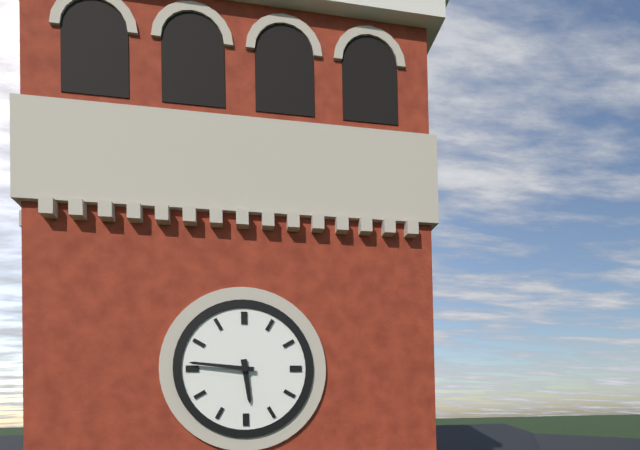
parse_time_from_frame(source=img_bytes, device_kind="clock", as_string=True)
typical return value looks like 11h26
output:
5h46
